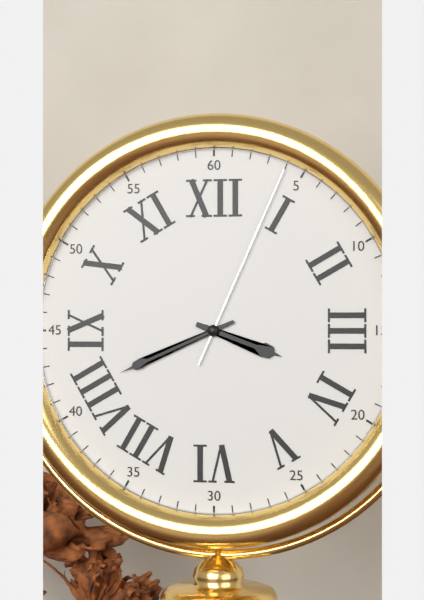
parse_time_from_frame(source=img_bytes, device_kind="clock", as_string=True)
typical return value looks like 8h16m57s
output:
3h41m04s
